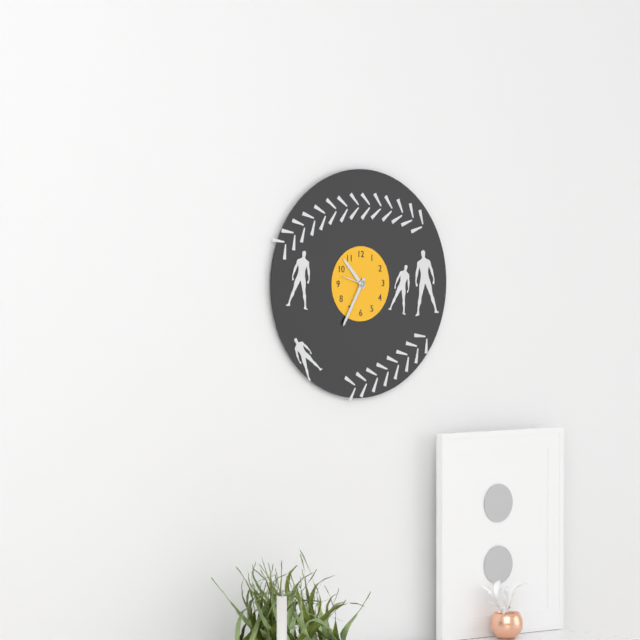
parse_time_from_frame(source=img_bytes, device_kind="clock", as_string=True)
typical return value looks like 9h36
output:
10h35
